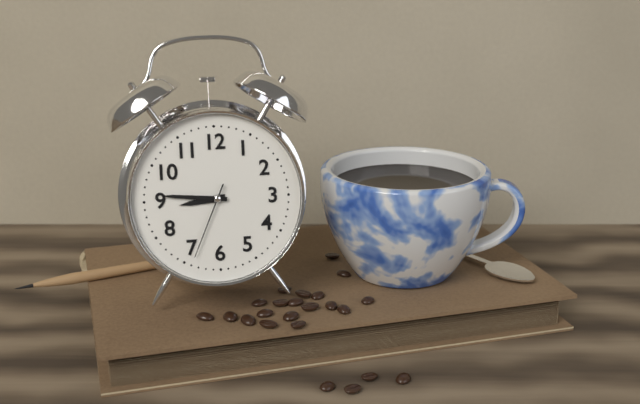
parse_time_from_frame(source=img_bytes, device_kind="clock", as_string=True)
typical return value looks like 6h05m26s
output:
8h46m34s
